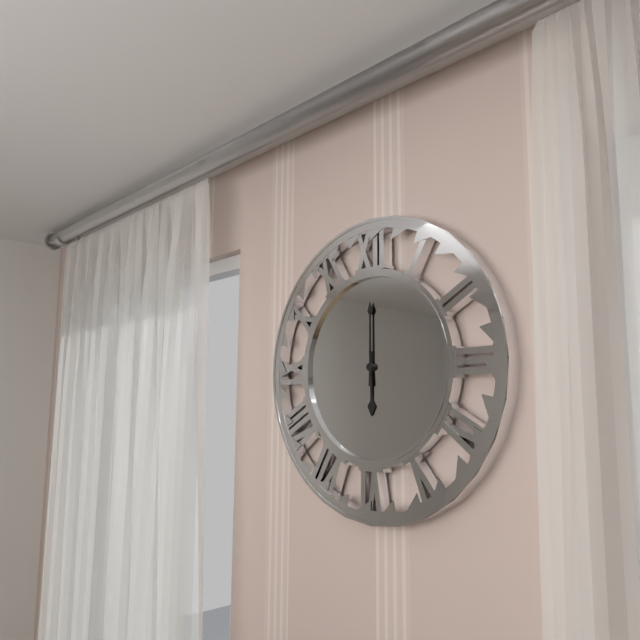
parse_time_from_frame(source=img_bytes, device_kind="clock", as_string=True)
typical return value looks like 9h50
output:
6h00
